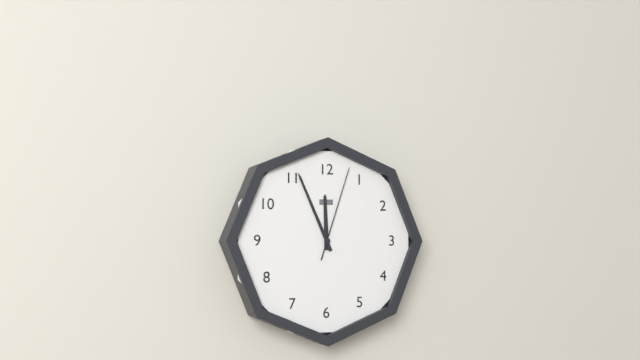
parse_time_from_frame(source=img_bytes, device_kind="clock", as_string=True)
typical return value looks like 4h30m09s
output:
11h56m03s
